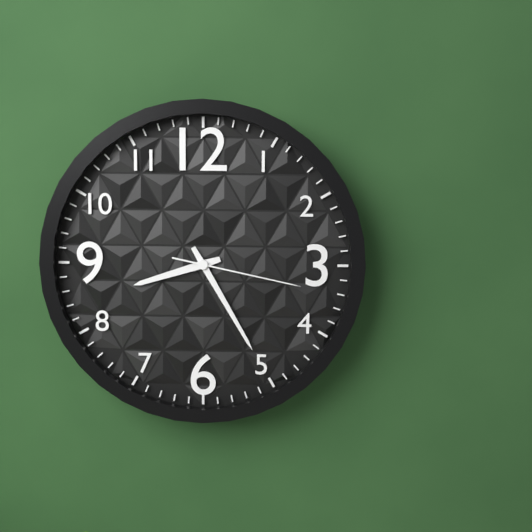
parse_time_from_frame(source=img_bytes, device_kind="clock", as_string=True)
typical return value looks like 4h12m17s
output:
8h25m17s
